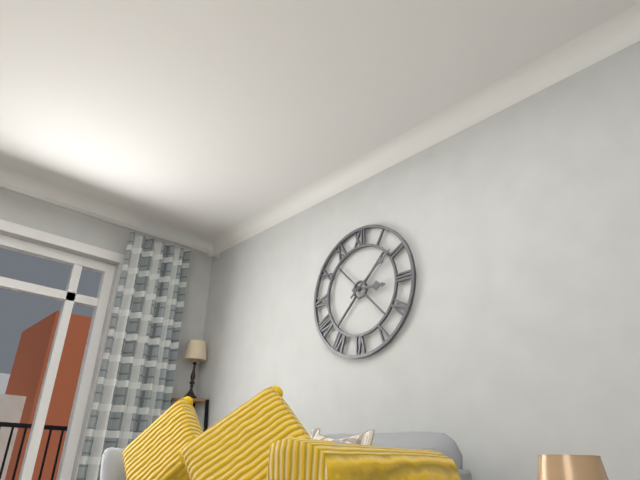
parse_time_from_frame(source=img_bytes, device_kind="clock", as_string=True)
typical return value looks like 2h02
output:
3h09
